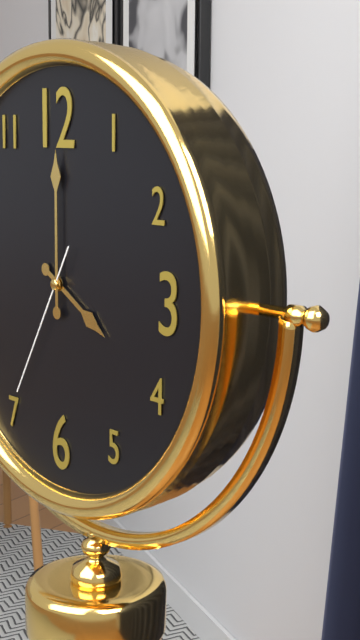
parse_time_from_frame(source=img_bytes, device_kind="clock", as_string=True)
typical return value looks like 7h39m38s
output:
4h00m35s
